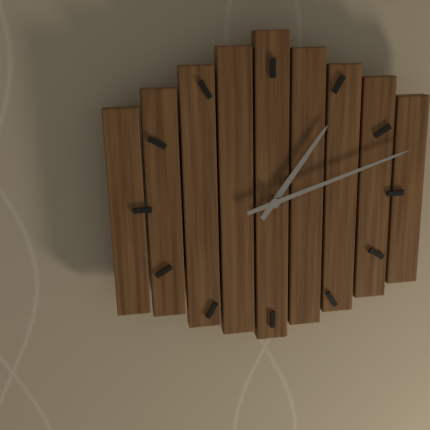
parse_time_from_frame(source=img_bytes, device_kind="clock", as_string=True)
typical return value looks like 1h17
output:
1h12
